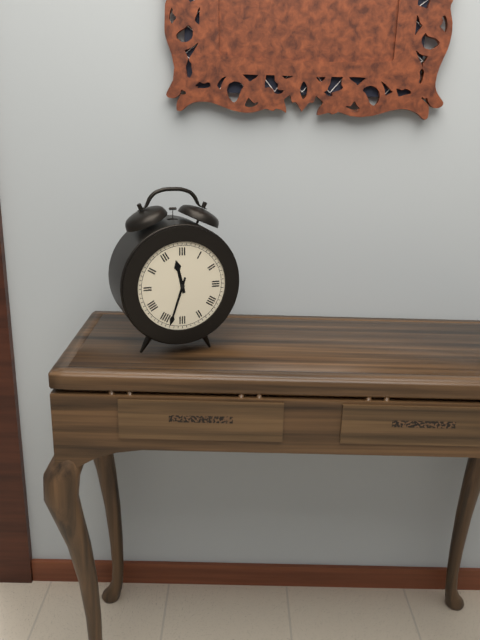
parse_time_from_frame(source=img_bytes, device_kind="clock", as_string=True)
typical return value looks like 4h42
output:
11h33
